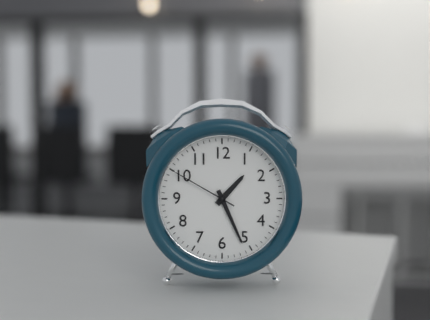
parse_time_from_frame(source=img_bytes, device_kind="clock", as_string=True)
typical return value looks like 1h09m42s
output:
1h26m50s
